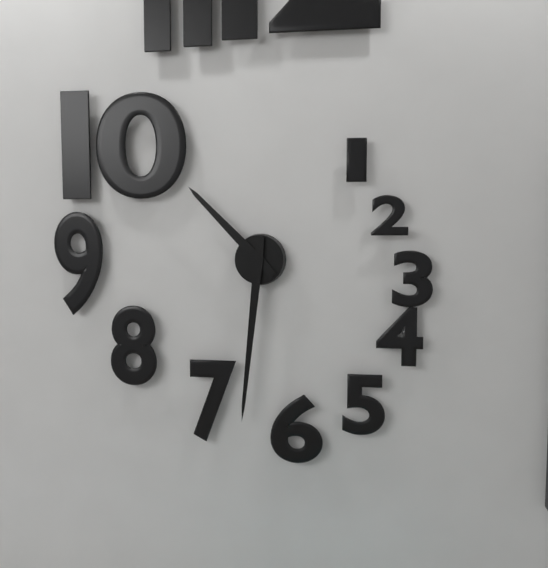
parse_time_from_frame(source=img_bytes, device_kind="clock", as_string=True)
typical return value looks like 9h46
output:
10h31
